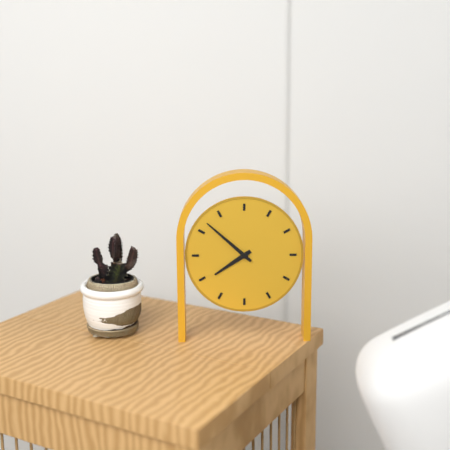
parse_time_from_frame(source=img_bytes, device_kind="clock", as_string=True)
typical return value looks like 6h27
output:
7h52
